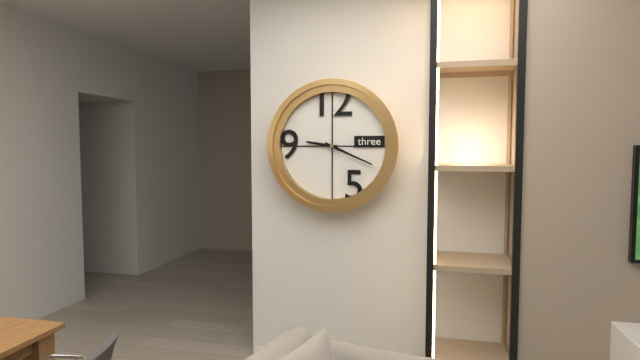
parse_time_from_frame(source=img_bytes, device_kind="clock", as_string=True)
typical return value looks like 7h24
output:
9h19
